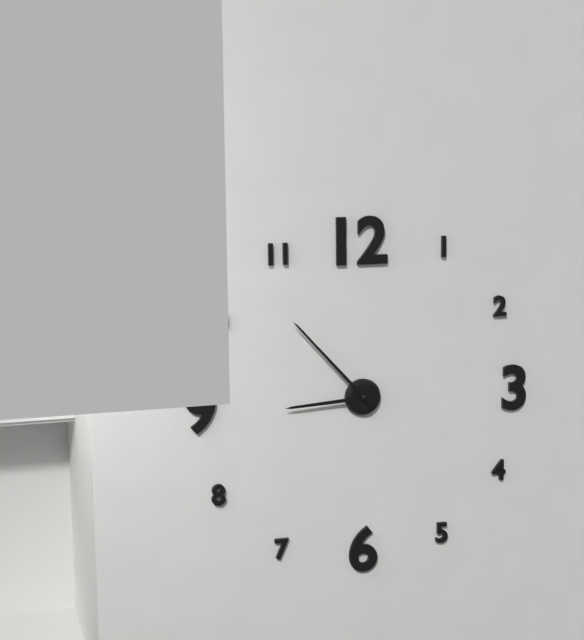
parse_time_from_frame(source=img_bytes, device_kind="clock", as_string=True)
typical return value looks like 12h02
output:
8h53
